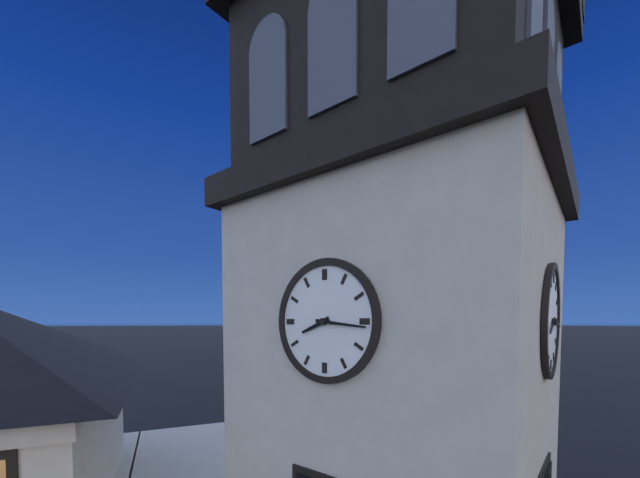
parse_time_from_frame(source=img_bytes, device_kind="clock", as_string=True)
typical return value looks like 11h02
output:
8h16
